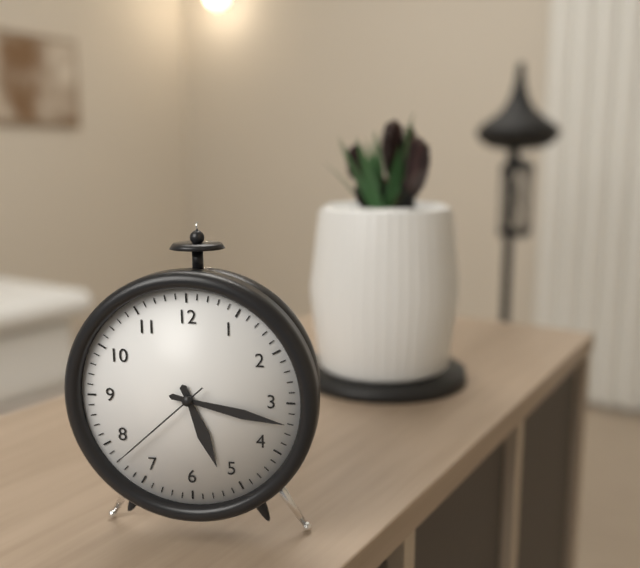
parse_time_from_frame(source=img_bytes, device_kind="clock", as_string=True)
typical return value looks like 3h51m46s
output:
5h17m38s
